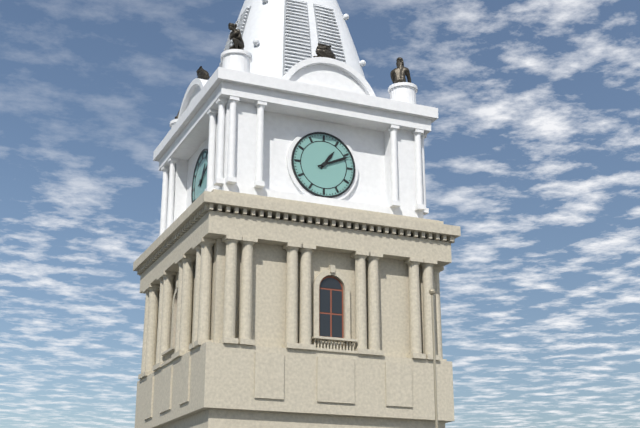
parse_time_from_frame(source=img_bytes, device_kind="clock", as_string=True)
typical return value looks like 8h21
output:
1h11
